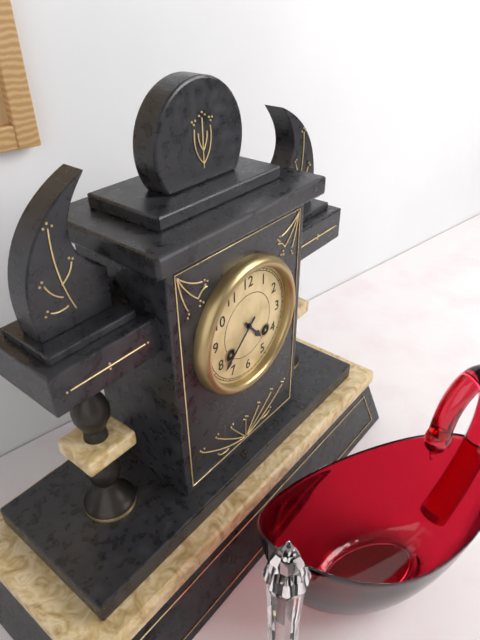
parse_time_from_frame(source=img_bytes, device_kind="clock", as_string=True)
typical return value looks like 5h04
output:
4h38
